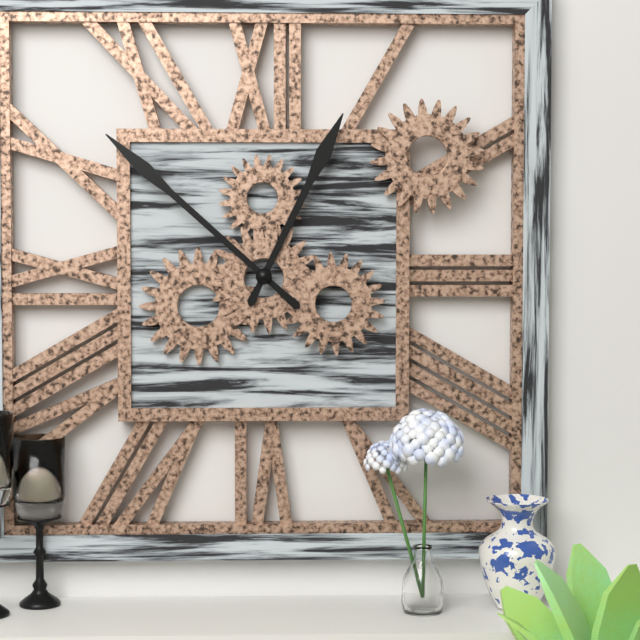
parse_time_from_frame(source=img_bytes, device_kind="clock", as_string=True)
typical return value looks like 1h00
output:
12h52
